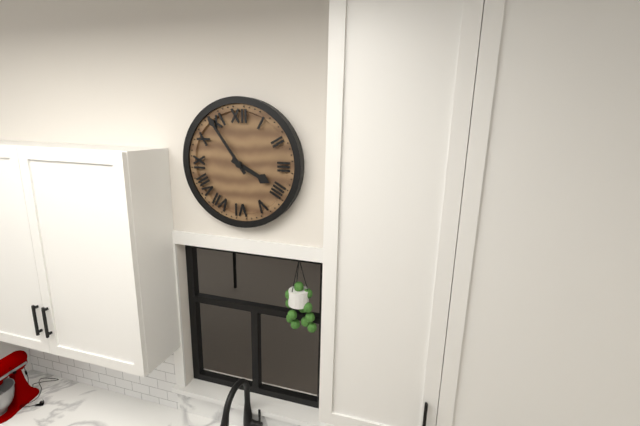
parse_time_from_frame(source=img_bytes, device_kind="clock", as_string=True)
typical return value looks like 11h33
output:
3h54
